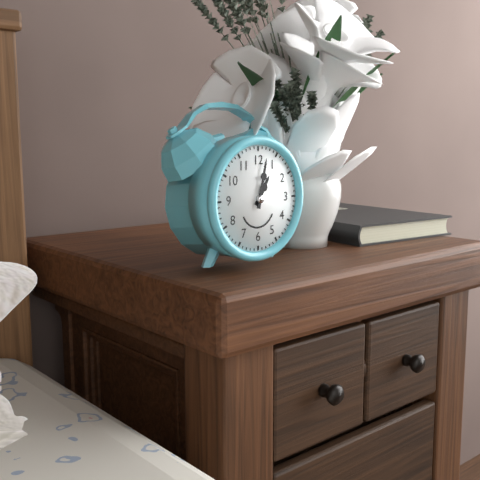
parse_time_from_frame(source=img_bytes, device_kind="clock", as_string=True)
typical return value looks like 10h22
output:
1h02
